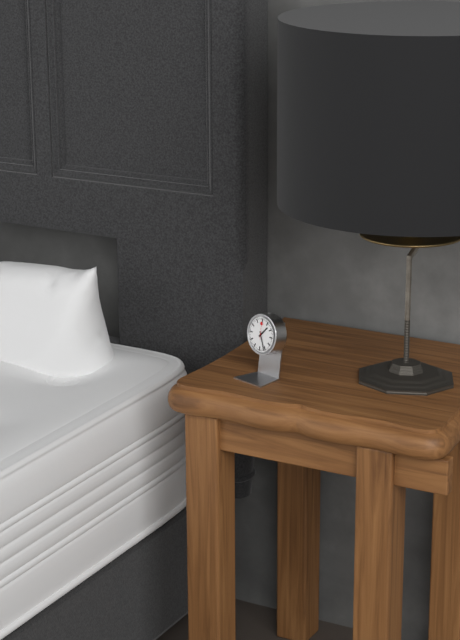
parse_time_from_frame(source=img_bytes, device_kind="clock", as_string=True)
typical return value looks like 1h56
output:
1h26
